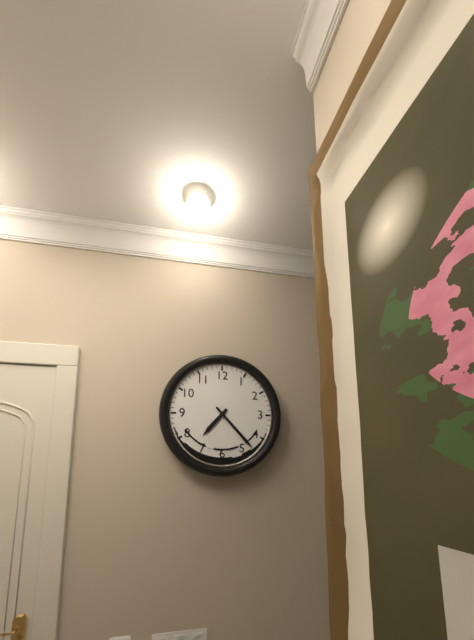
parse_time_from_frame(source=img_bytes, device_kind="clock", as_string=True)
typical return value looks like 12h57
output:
7h23
